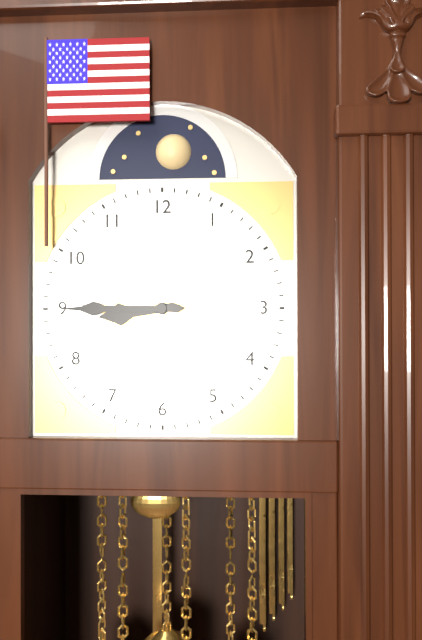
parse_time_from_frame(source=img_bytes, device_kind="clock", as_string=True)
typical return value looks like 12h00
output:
8h45
